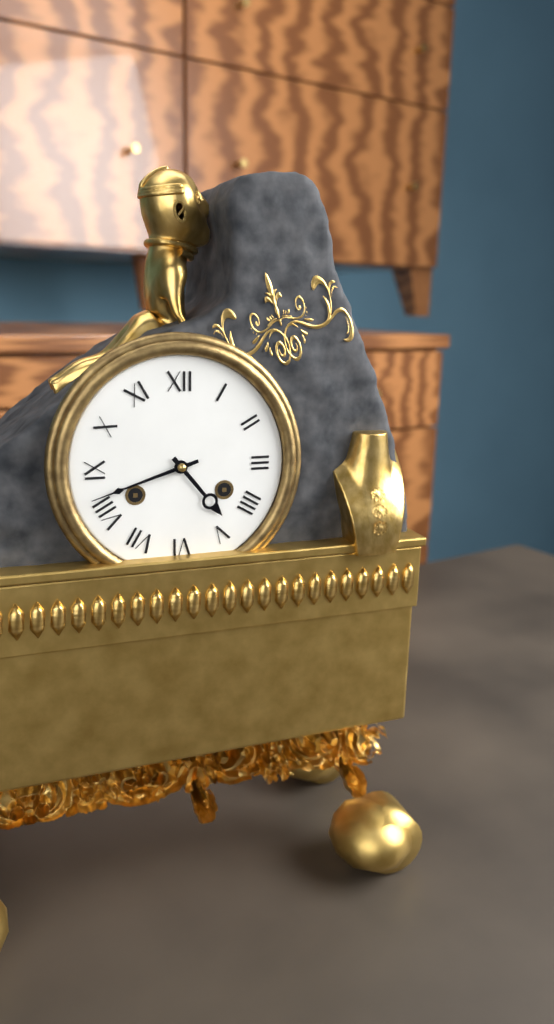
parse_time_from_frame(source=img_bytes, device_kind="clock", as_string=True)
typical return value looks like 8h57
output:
4h42
